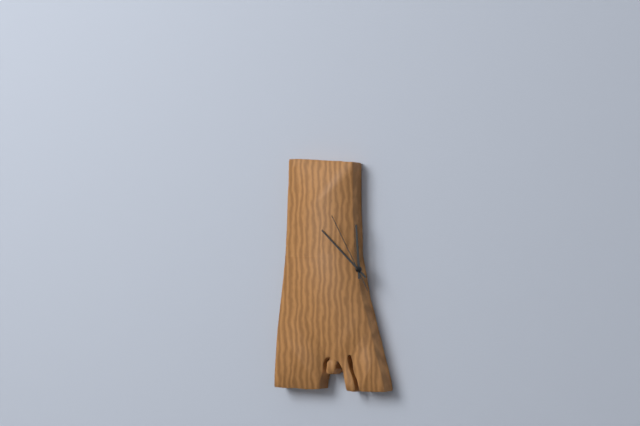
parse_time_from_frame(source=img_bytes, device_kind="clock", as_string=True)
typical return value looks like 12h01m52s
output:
11h52m55s
